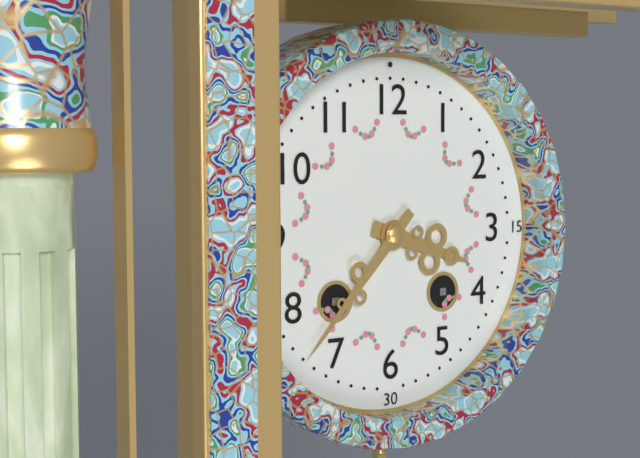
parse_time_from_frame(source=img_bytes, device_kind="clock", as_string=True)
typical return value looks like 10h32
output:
3h37
